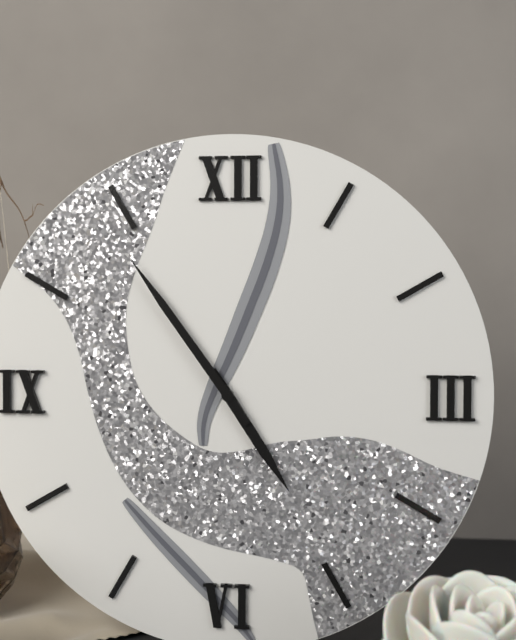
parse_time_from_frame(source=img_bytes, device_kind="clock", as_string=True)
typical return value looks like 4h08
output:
4h54
